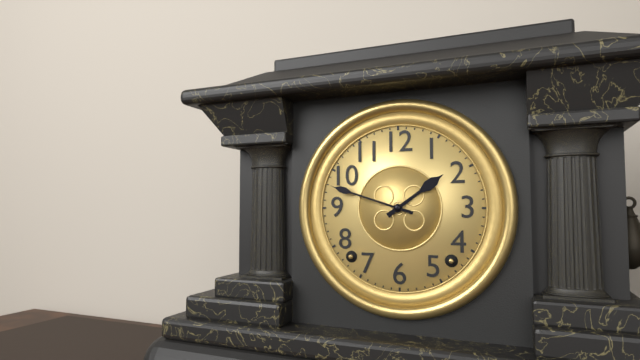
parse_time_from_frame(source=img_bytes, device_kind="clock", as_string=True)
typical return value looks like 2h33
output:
1h48
